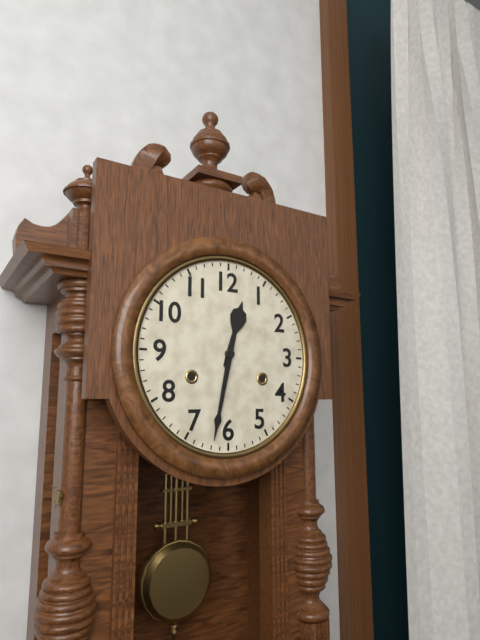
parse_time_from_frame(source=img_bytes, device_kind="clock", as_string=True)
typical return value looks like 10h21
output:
12h32
